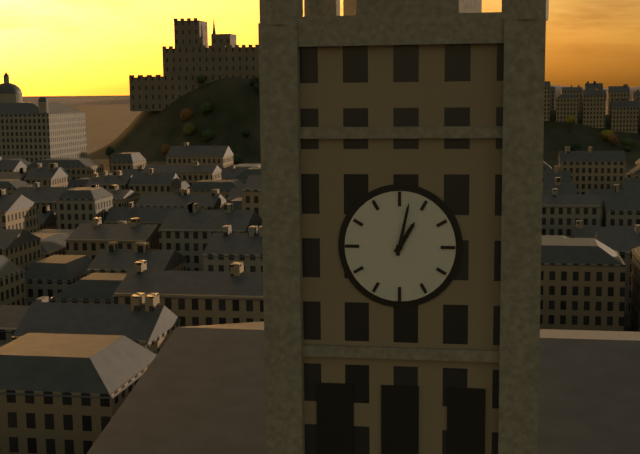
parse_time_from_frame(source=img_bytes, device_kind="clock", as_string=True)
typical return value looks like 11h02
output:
1h02
